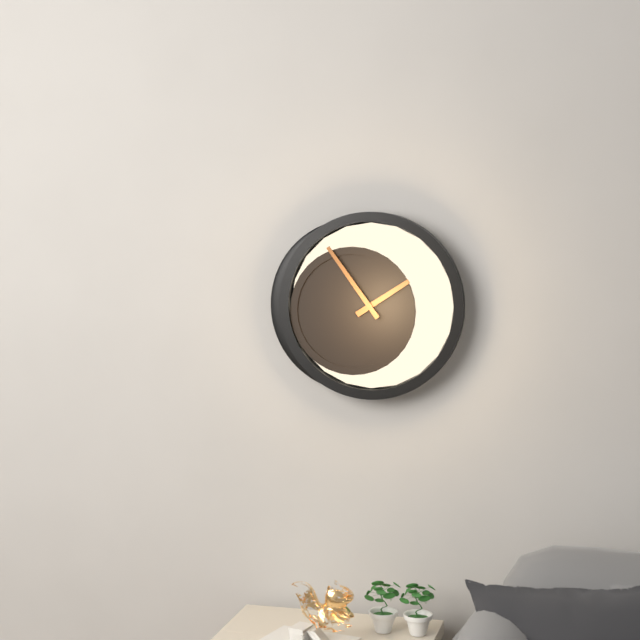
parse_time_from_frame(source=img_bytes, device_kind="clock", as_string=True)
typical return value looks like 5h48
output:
1h54
